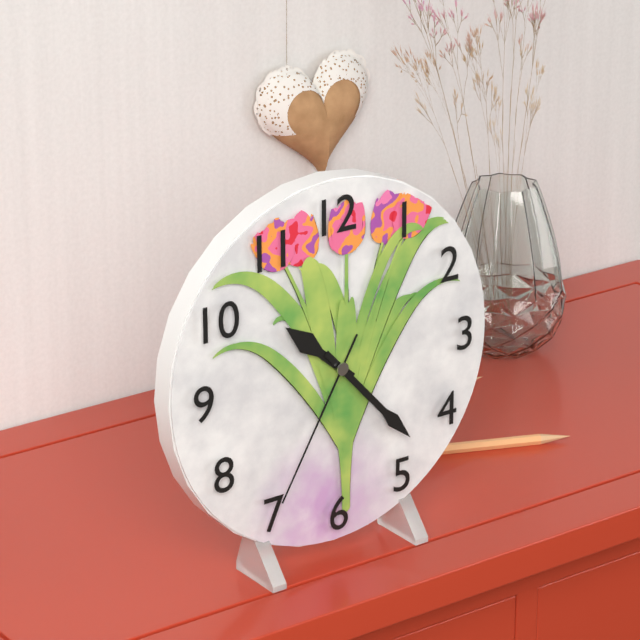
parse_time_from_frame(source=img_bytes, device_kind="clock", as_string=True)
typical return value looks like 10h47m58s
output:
10h23m35s
